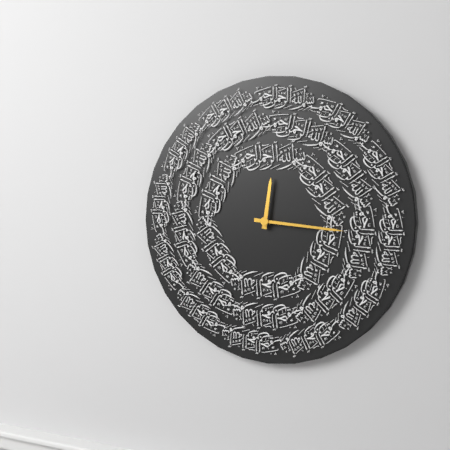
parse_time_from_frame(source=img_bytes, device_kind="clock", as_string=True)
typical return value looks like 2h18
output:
12h16
